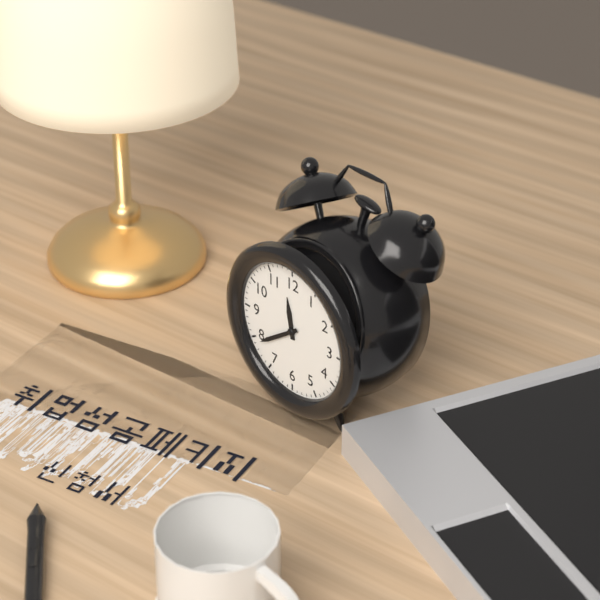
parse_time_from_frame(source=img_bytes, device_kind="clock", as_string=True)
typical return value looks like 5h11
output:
11h39
